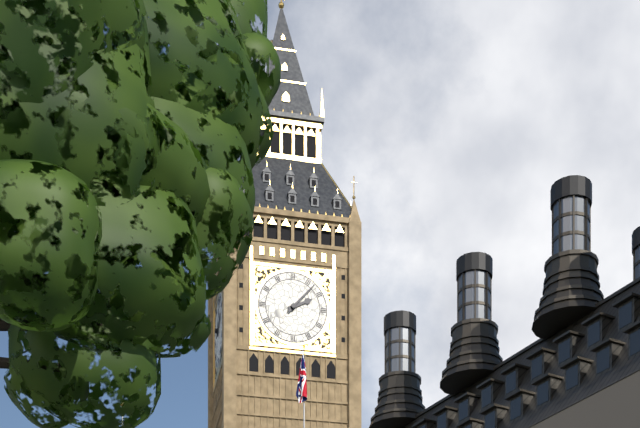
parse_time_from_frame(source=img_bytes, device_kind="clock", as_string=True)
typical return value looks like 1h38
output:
2h07
